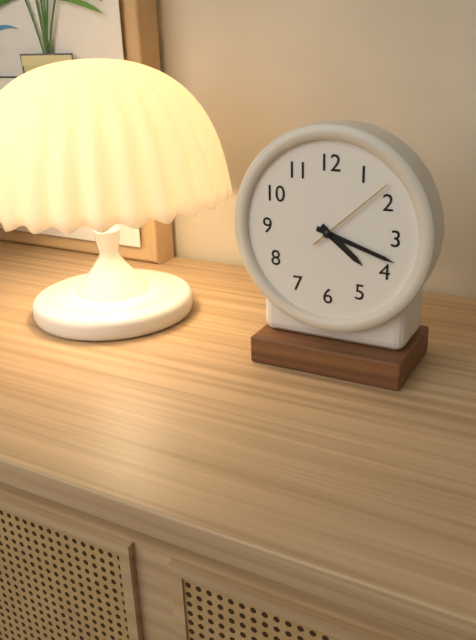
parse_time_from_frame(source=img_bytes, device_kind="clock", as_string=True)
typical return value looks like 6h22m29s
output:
4h18m08s
